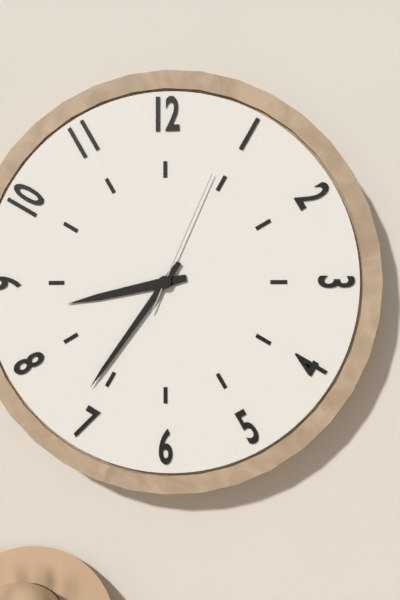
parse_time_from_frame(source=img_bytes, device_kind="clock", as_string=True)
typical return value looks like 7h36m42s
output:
8h36m04s
